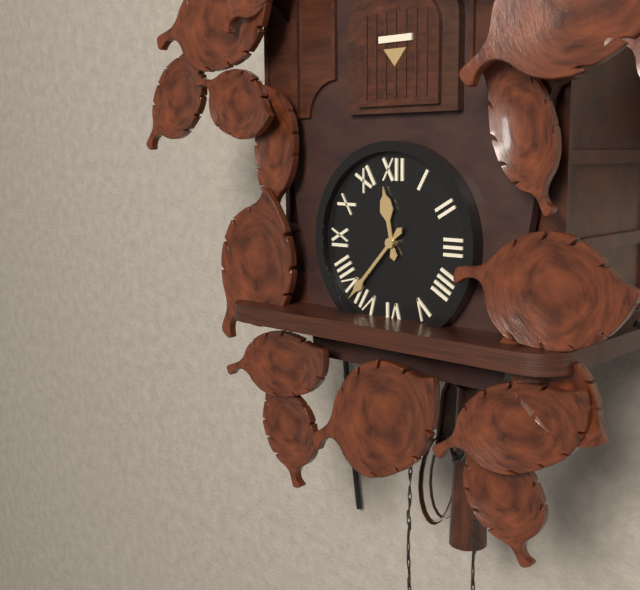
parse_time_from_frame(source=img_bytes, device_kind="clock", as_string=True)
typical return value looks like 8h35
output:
11h37
